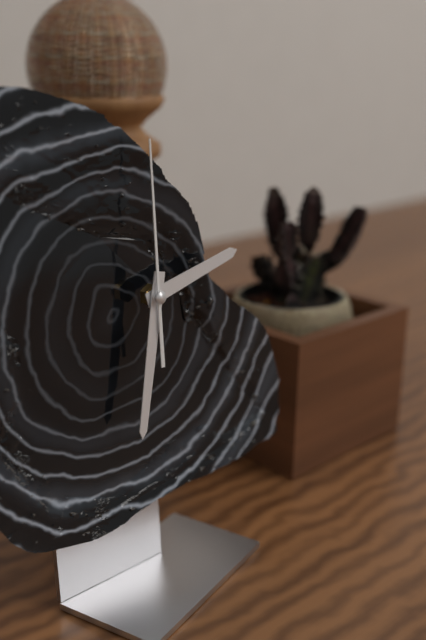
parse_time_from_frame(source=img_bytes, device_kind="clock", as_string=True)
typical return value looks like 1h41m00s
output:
2h32m00s
